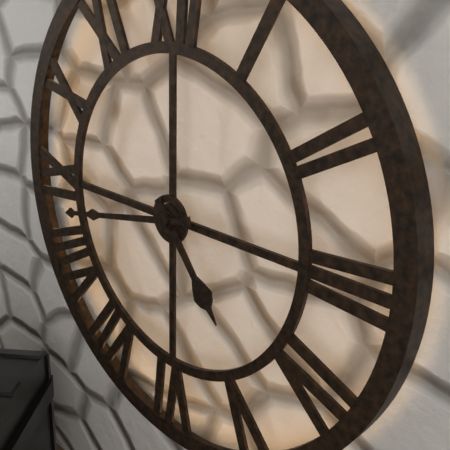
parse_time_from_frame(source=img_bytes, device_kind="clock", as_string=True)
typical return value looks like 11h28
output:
4h43
